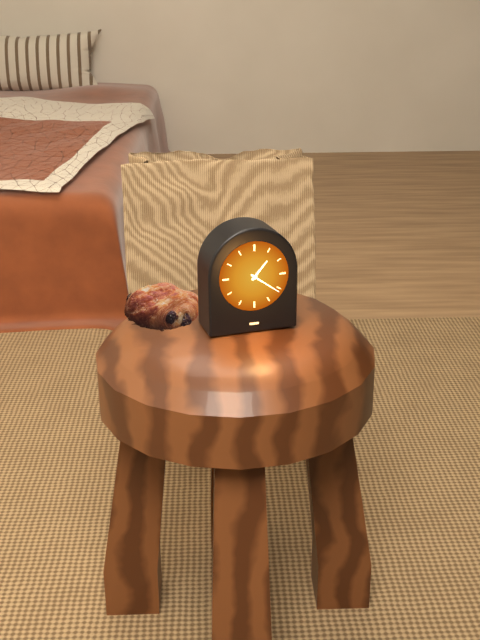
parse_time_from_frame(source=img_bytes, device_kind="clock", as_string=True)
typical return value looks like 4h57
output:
1h21
